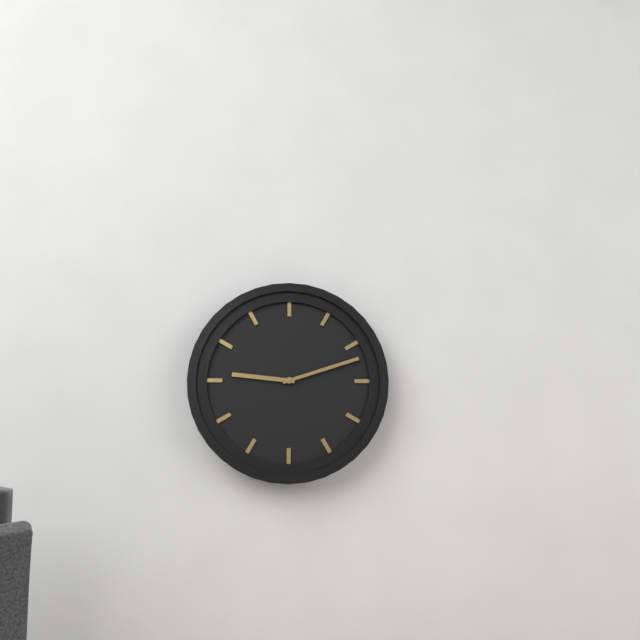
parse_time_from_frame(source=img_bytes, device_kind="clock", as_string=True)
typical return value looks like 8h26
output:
9h12
